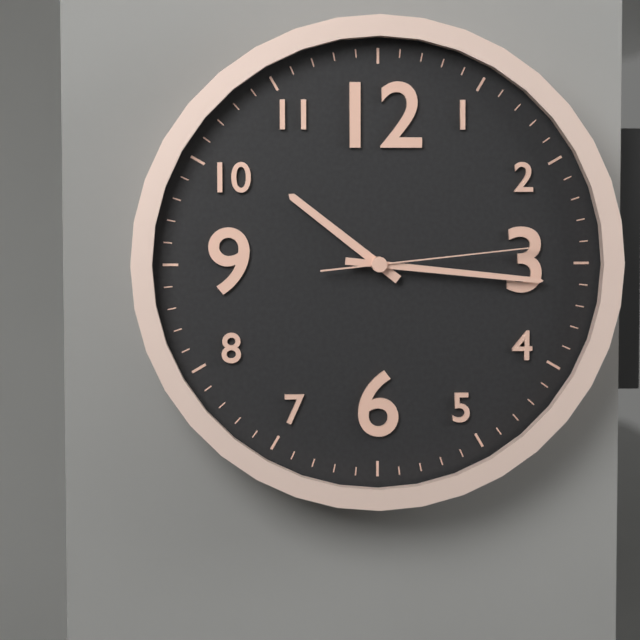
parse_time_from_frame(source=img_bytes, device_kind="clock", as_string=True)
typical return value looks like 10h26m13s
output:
10h16m14s
